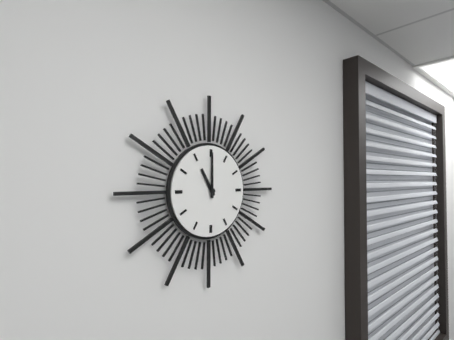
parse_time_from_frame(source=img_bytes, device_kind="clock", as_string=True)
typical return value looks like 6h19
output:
11h00
